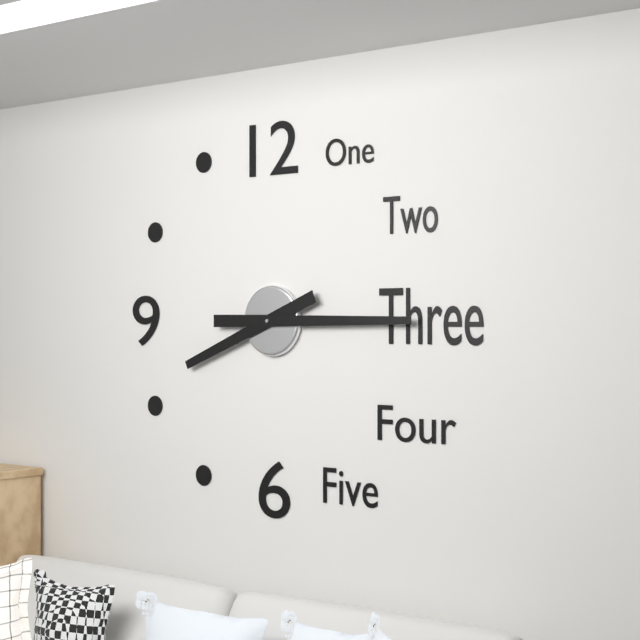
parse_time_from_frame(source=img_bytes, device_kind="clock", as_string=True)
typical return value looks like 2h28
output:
8h15
